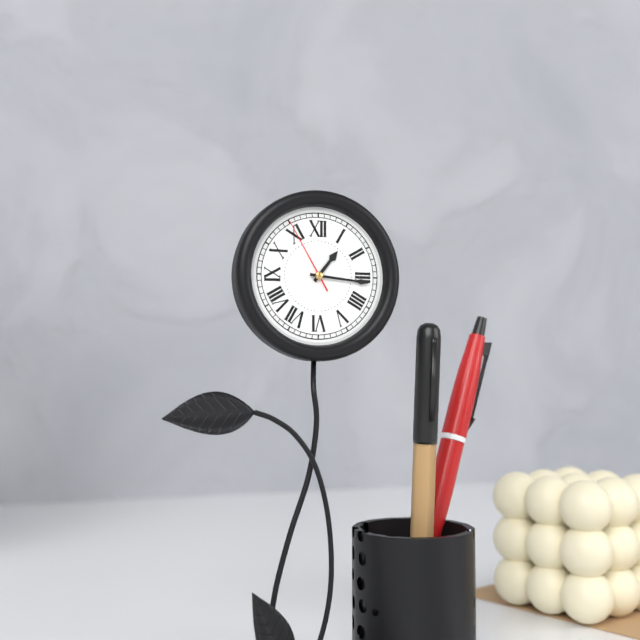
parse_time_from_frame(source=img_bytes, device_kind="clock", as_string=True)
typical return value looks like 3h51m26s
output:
1h16m55s
